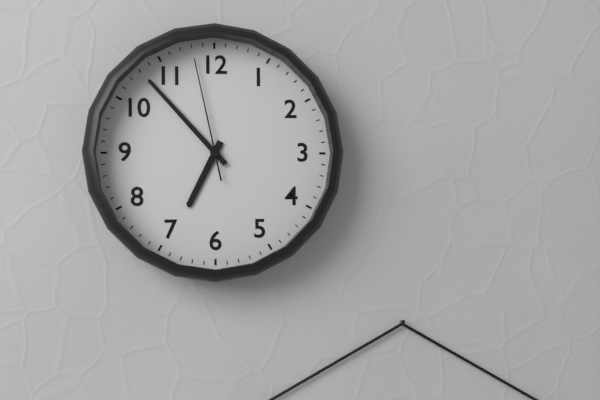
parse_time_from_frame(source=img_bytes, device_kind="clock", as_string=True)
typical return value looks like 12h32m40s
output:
6h53m58s
